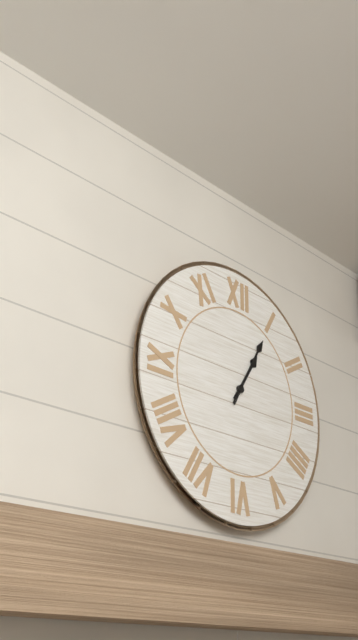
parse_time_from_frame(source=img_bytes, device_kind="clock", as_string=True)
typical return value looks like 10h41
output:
1h05
